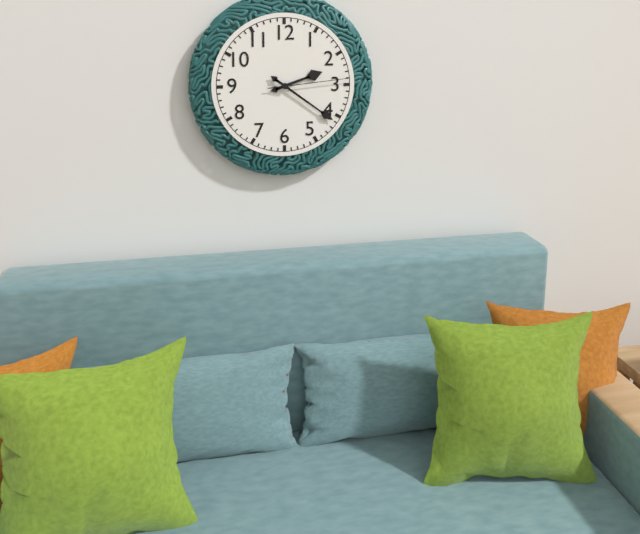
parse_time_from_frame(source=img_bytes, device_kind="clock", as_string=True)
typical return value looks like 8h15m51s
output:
2h21m14s
